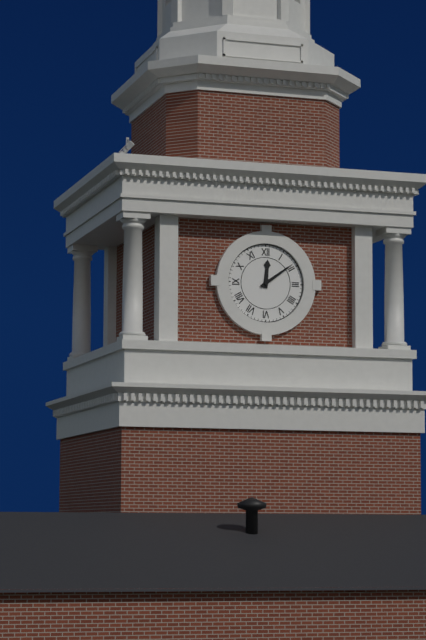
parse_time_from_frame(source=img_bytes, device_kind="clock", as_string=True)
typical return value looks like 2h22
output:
12h09
